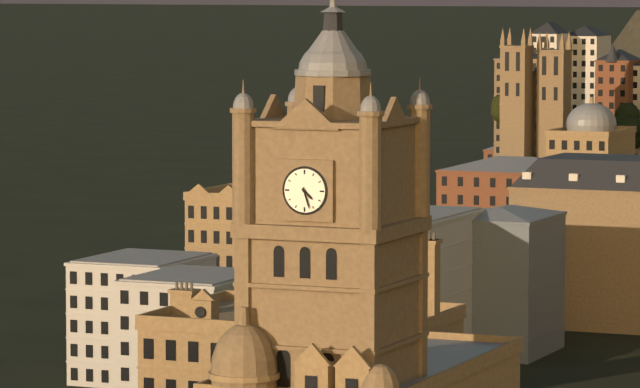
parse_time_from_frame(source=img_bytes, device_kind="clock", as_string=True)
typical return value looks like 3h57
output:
4h27
